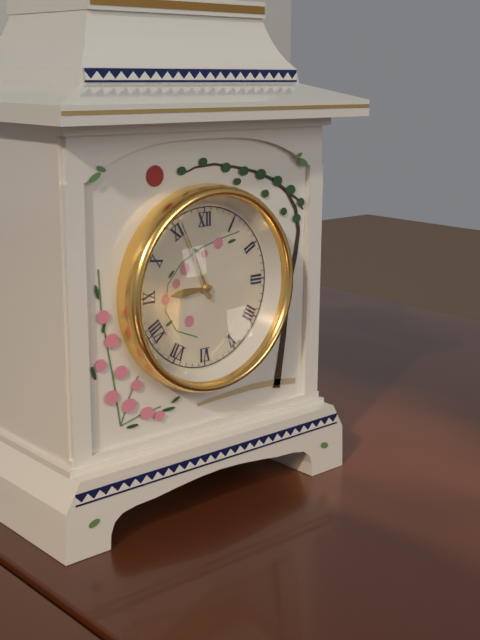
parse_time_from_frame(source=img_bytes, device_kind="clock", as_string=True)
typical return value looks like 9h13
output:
8h56
